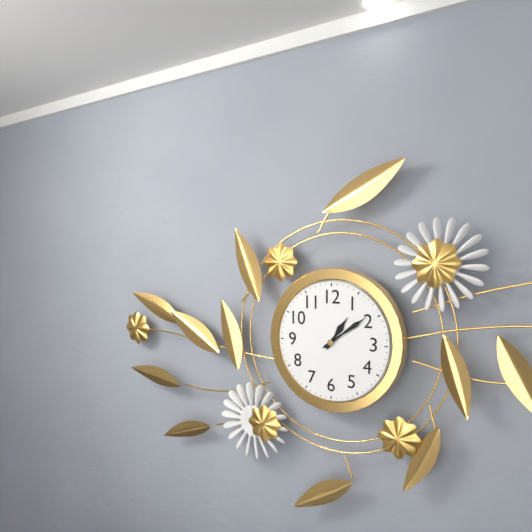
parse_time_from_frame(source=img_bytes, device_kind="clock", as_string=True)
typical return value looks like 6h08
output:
1h09
